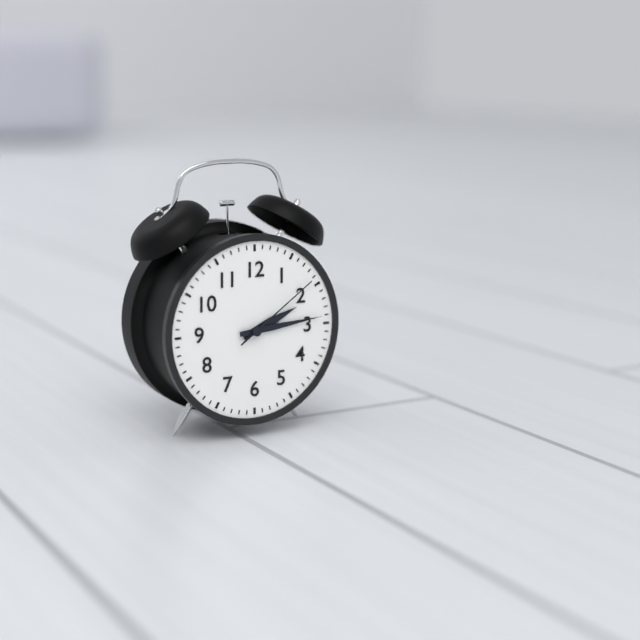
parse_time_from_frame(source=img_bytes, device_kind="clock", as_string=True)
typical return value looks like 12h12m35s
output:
2h14m09s
